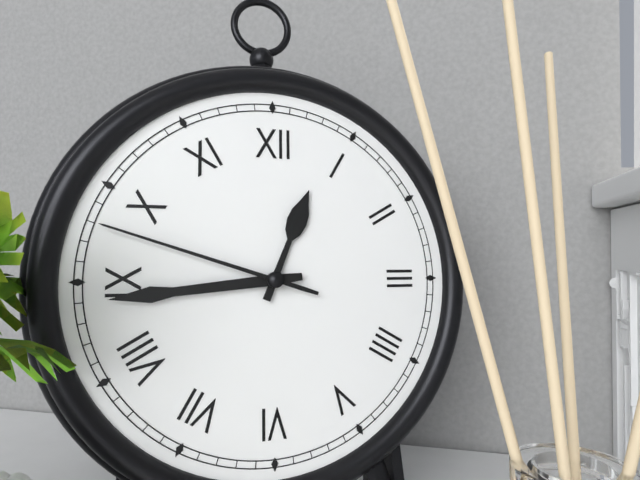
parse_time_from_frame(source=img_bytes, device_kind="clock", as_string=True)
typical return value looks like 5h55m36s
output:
12h44m48s
